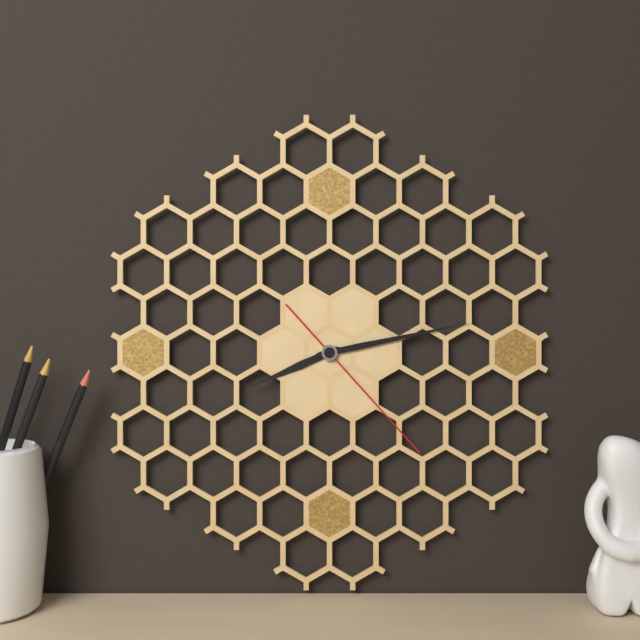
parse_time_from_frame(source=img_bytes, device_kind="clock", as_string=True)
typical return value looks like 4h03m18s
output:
8h13m23s
